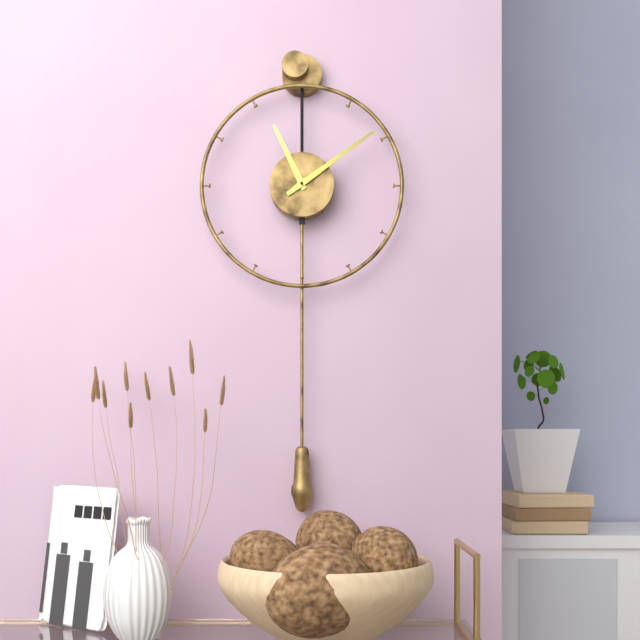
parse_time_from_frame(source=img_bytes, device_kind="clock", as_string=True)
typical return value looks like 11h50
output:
11h09
